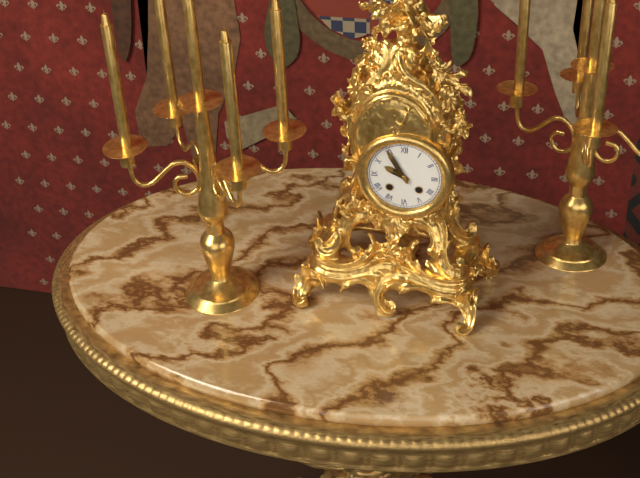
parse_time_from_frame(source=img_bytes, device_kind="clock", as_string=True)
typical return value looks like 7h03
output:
9h55
